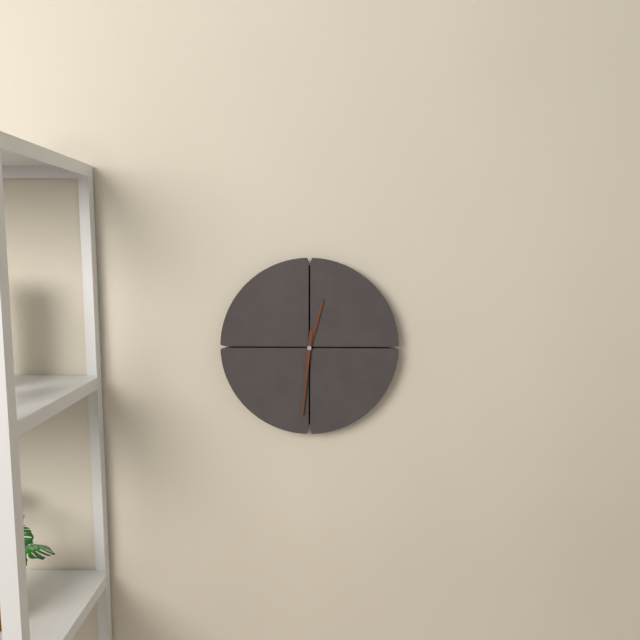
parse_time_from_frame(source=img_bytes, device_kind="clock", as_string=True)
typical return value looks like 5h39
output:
12h31
